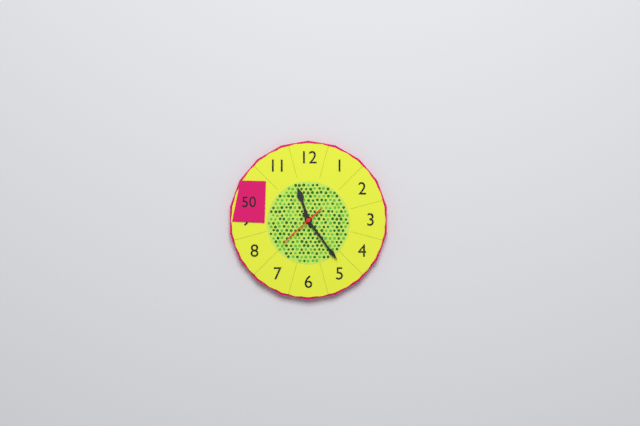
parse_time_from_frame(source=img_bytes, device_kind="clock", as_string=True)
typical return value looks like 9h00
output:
11h24
